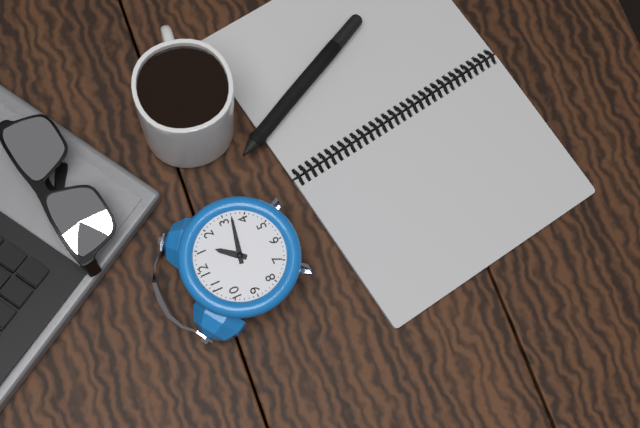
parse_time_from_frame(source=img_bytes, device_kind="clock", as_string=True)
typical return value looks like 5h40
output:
1h17
